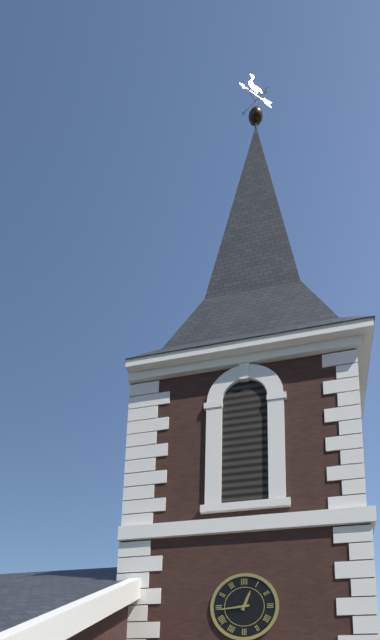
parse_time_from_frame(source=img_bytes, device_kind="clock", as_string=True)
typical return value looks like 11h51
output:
12h44
